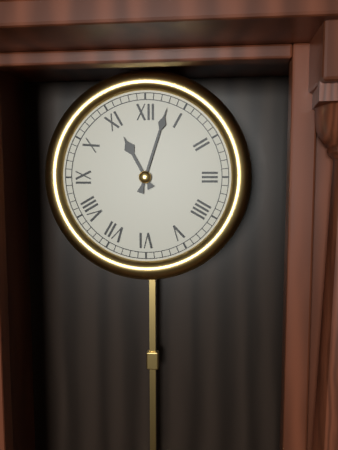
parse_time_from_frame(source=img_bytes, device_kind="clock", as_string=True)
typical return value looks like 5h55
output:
11h03
